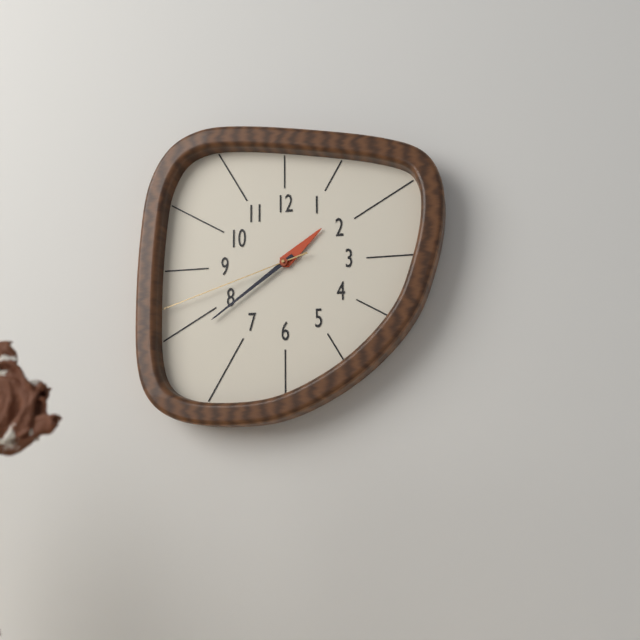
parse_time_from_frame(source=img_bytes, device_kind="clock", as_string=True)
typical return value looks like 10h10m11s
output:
1h39m42s
